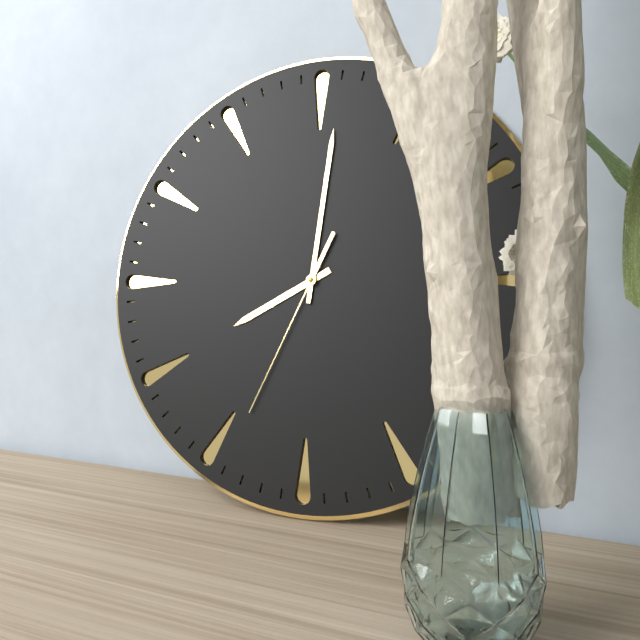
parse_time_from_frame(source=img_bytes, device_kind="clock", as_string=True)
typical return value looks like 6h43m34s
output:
8h01m34s
